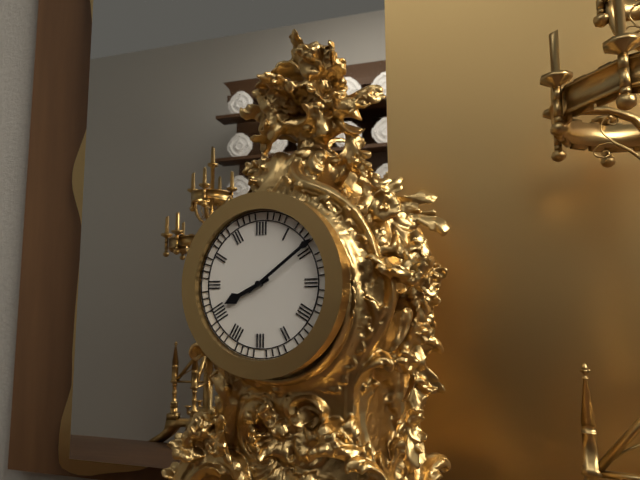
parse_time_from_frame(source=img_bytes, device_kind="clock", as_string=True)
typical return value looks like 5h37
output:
8h09
